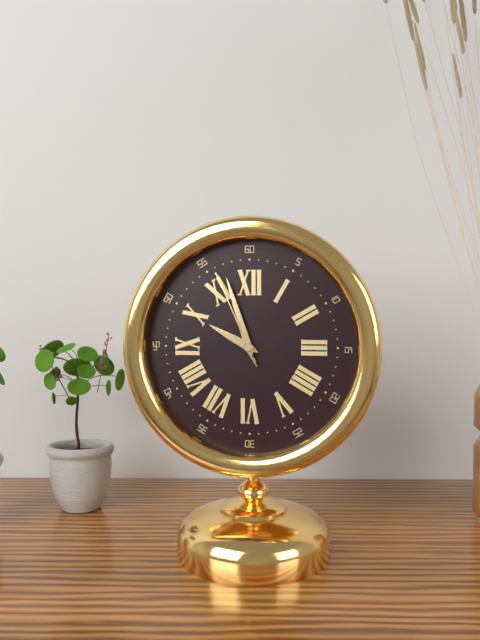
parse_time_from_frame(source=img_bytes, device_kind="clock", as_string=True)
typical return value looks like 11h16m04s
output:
9h57m56s
